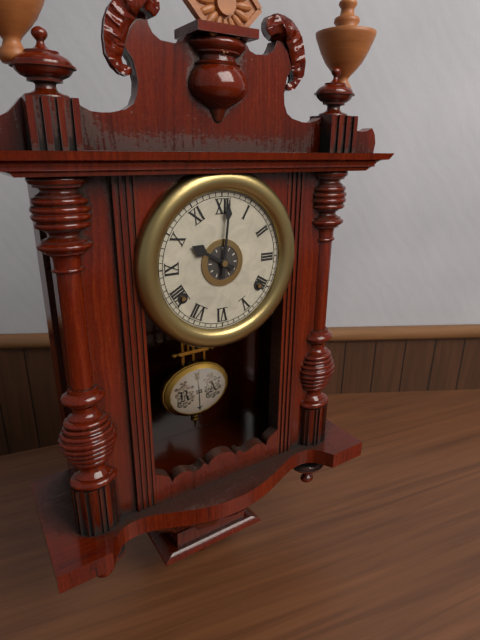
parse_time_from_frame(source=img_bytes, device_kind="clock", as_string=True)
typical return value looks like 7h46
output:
10h01
